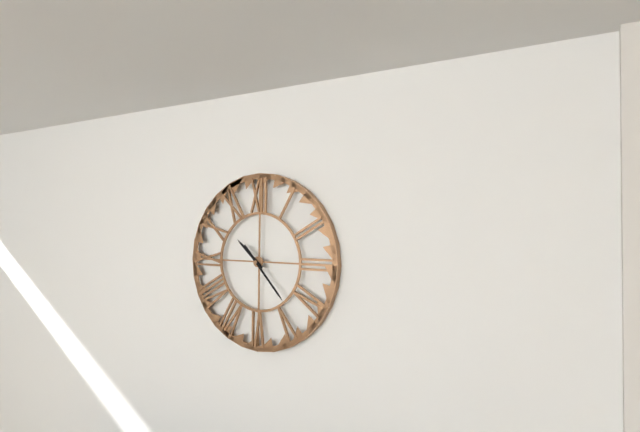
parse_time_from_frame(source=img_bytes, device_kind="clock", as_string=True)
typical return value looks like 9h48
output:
10h23
